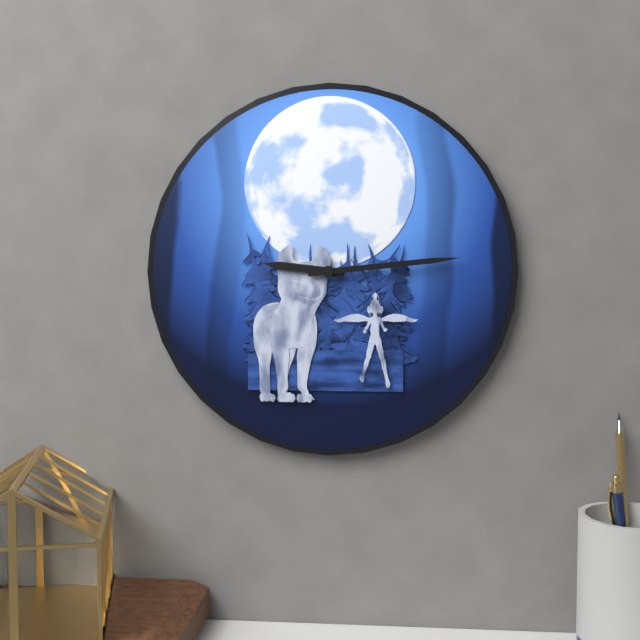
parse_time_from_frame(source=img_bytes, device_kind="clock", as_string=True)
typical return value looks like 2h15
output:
9h14
